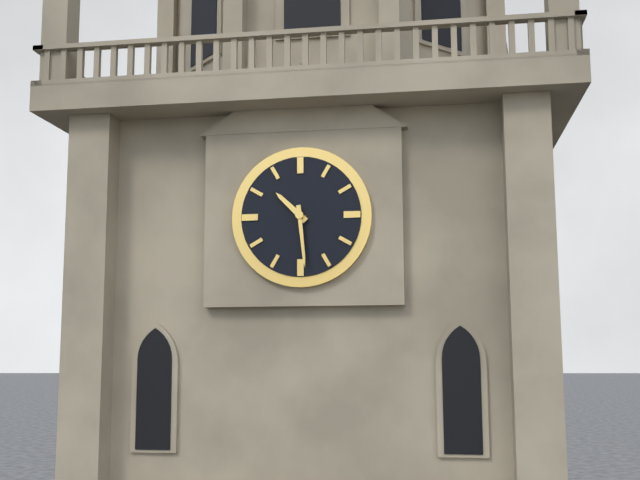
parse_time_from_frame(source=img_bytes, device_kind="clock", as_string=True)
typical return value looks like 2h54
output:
10h29
